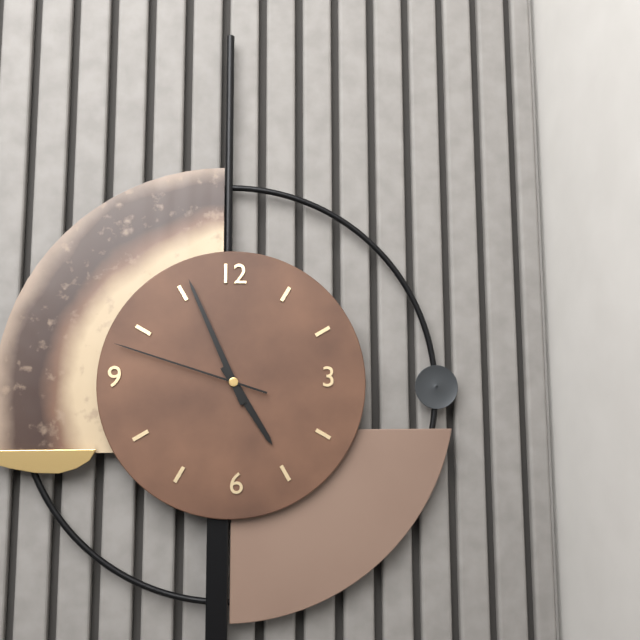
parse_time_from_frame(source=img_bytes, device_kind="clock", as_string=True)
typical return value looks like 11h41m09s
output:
4h56m48s
